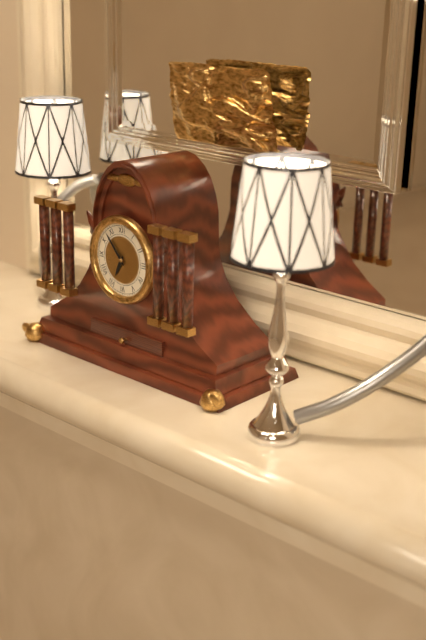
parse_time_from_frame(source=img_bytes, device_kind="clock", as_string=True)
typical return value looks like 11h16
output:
6h53
